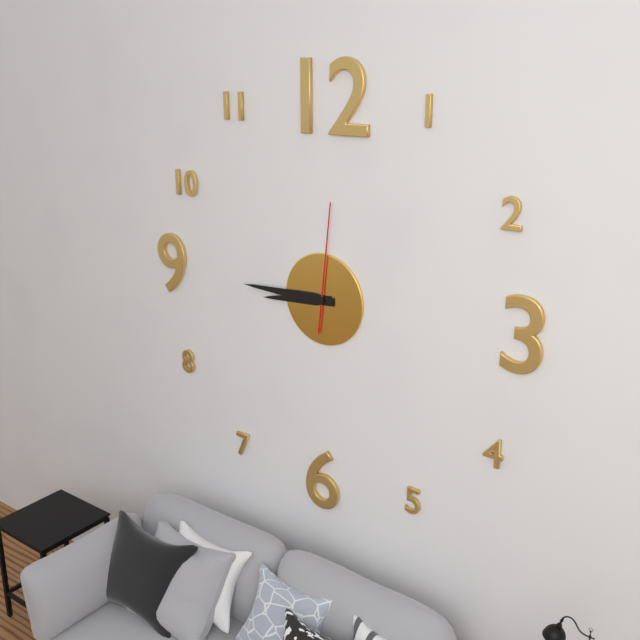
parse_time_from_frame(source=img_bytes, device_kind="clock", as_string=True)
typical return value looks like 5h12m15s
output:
8h45m01s
